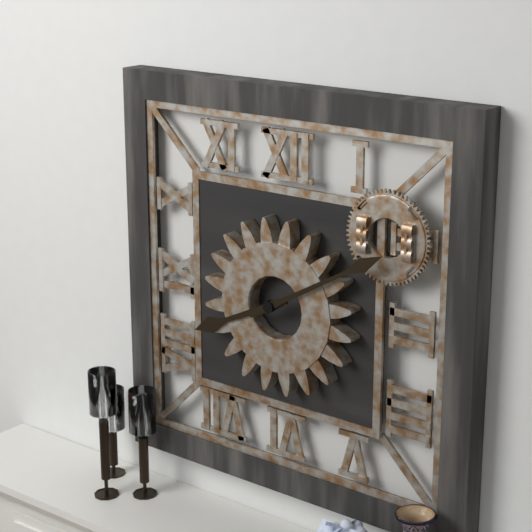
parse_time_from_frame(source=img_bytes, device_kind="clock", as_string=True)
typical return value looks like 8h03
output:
8h10
